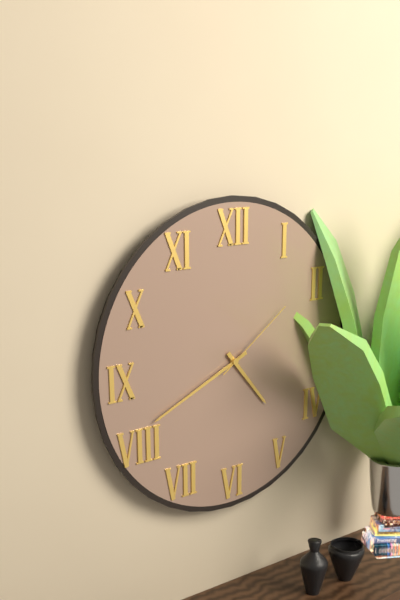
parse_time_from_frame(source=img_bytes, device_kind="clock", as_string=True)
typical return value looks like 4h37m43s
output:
4h41m09s
